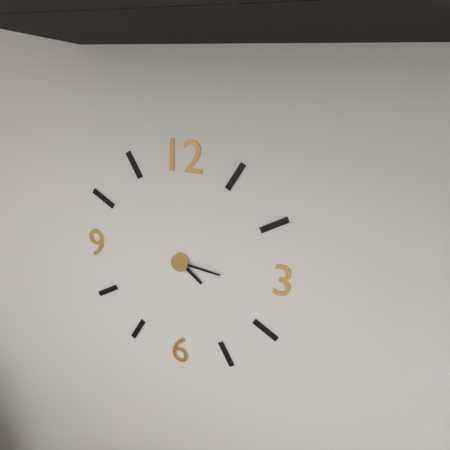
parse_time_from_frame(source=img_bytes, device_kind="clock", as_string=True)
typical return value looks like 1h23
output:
4h16
